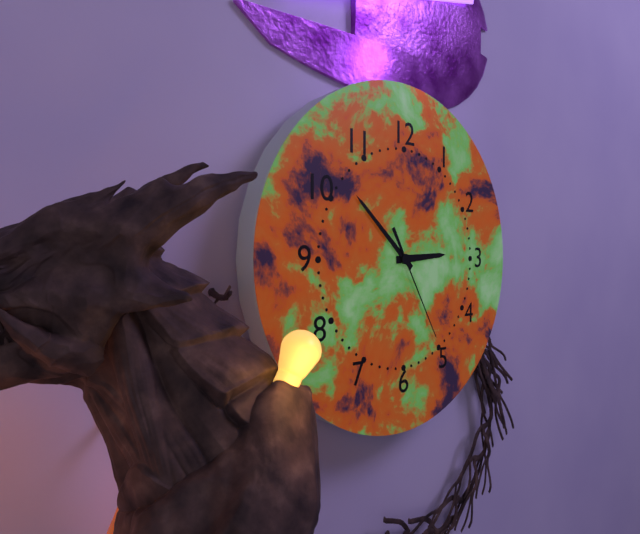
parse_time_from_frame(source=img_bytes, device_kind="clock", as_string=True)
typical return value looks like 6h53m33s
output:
2h52m25s
